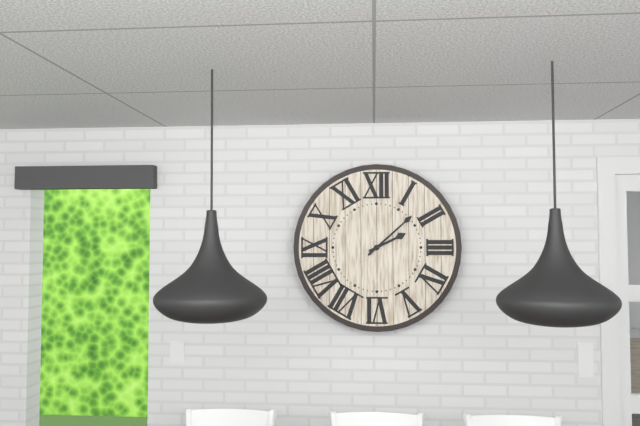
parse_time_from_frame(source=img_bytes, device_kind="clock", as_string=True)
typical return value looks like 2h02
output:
2h08
